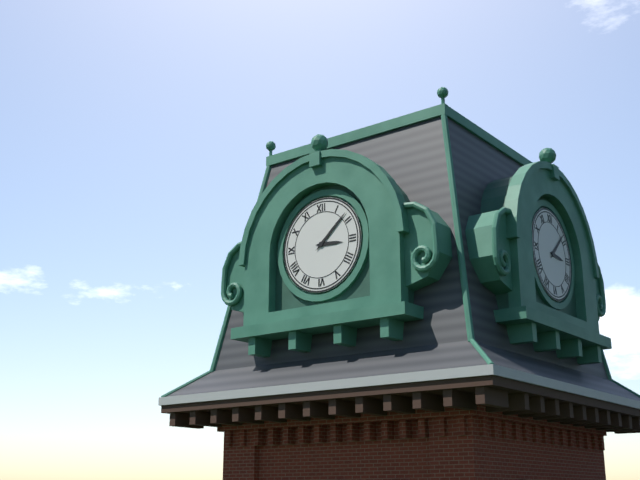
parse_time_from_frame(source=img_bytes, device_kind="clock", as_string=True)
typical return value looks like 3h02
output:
3h08
